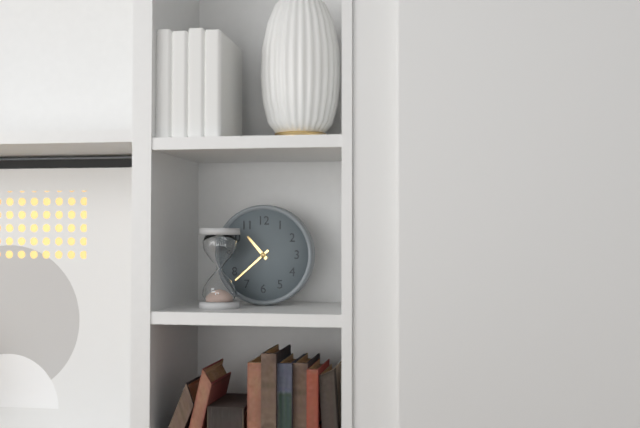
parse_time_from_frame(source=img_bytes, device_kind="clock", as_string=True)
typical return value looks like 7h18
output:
10h38
